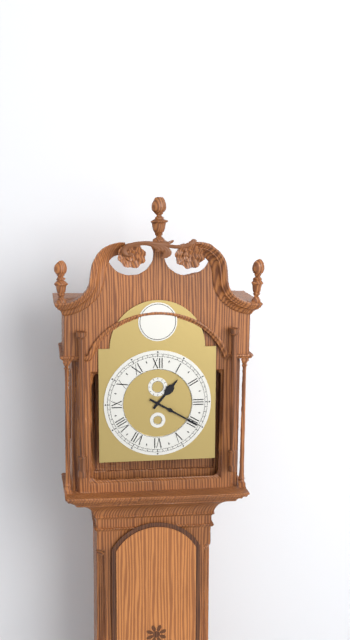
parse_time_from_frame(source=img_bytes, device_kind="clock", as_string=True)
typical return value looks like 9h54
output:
1h20
